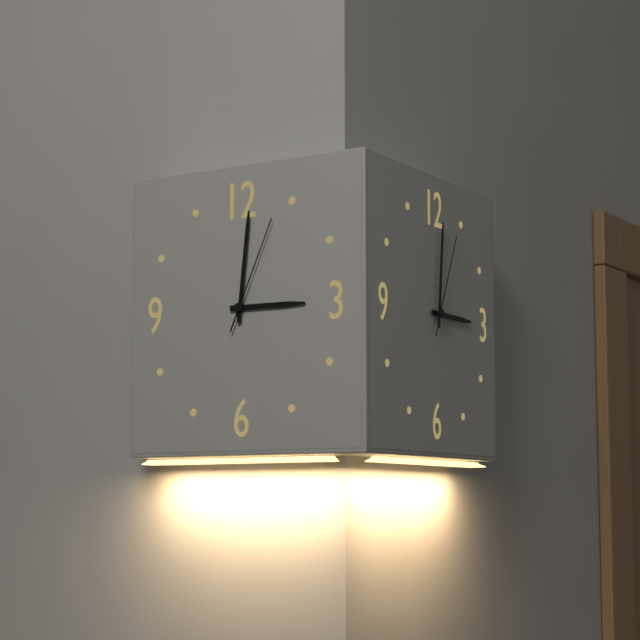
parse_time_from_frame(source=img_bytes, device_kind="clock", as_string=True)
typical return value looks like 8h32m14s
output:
3h01m04s
